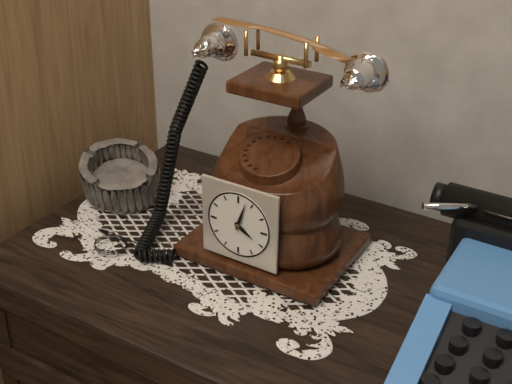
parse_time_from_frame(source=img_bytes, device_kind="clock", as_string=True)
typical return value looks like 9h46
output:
4h03
